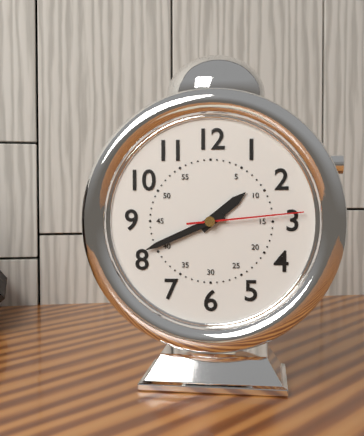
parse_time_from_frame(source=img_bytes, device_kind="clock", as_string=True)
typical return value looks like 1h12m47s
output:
1h41m14s
